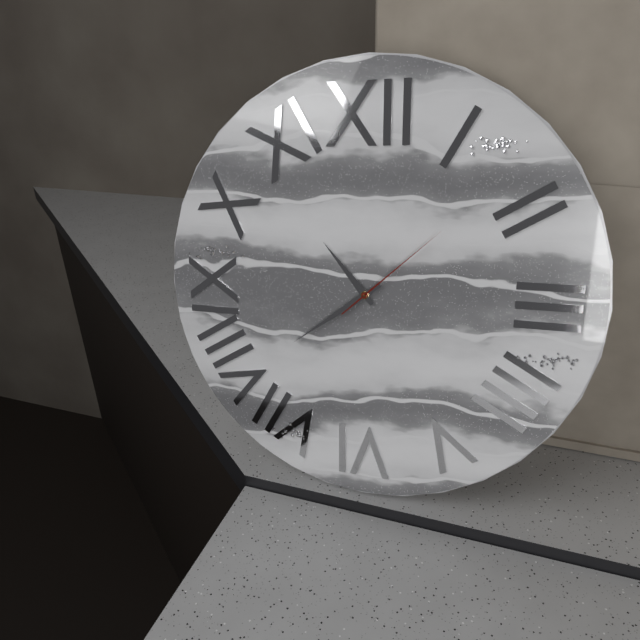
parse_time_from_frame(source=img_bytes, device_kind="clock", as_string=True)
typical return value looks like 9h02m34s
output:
10h39m08s
